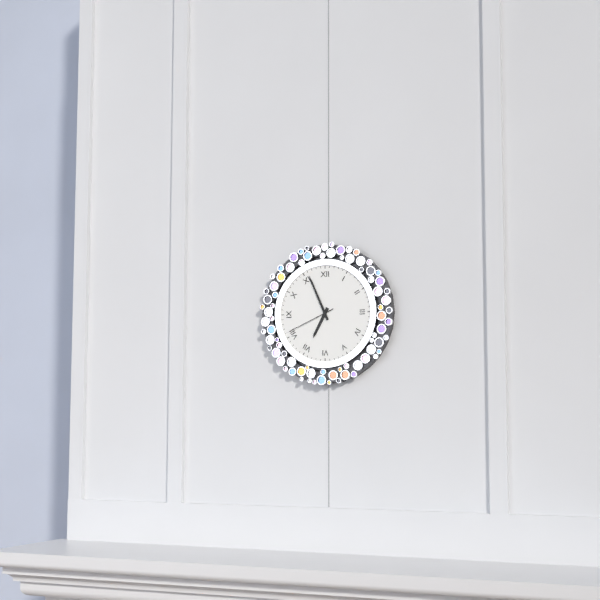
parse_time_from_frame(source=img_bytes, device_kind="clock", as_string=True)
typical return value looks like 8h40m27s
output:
6h56m41s
